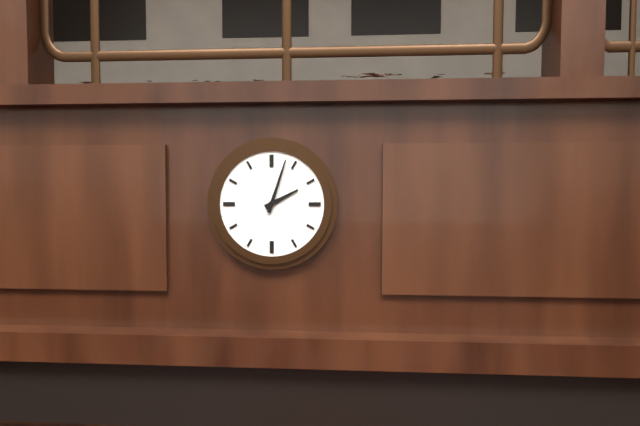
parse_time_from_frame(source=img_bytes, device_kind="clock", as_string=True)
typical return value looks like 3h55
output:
2h03
